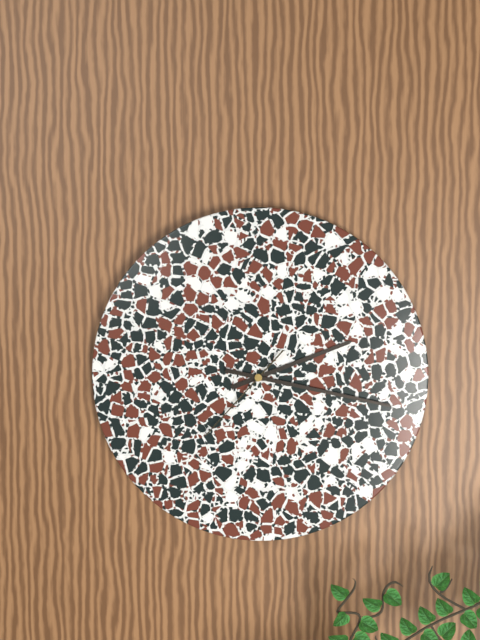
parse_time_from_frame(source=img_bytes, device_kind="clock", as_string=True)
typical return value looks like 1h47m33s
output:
2h17m37s
